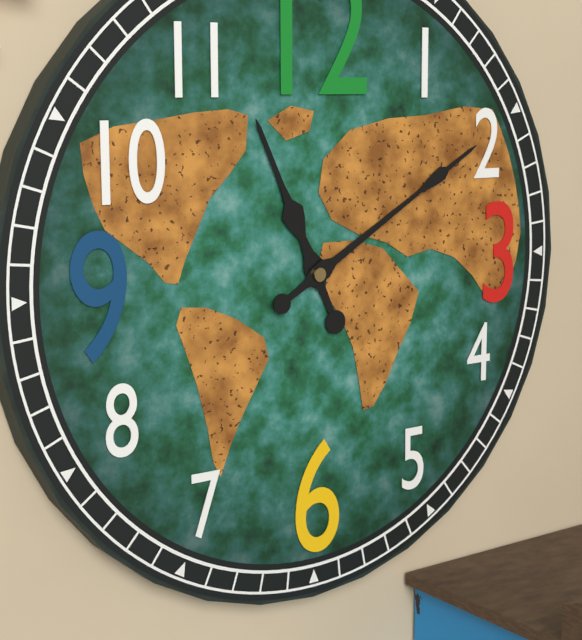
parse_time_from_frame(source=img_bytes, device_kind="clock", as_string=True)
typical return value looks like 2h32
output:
11h10
